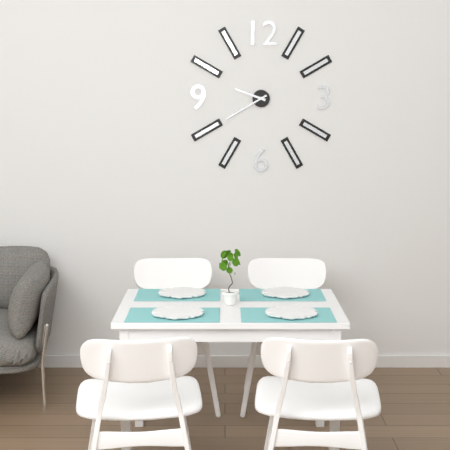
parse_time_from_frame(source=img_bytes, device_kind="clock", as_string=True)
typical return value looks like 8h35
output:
9h40
